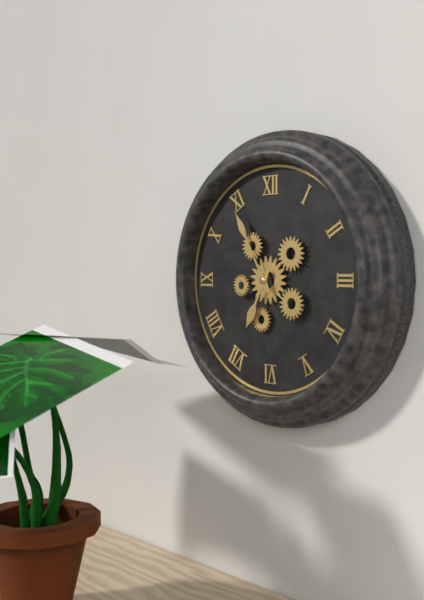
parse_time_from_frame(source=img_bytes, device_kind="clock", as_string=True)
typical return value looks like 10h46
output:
6h55
